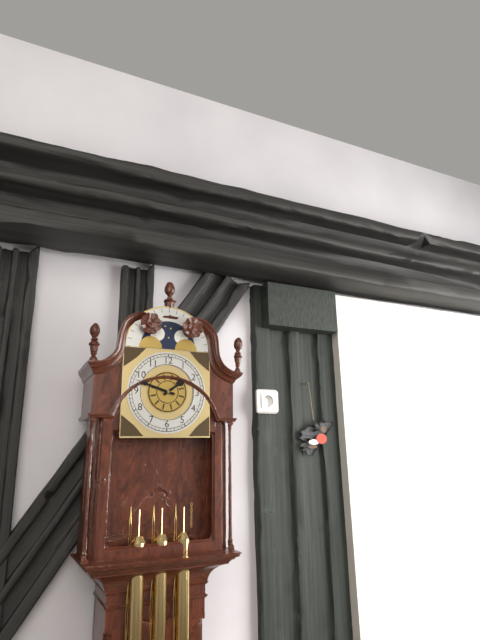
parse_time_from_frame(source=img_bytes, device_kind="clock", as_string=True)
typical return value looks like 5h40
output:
1h48
